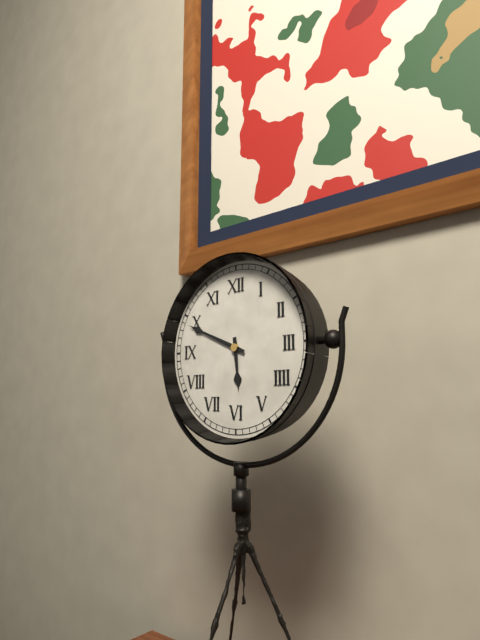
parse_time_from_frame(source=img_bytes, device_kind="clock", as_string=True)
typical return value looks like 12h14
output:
5h49
